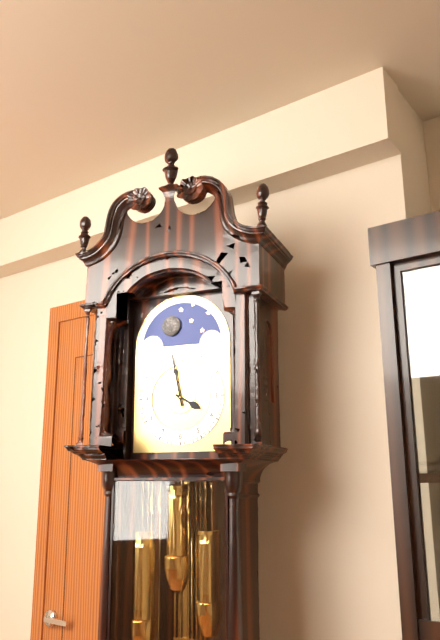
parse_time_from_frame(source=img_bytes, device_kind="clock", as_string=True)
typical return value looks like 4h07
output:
3h58
